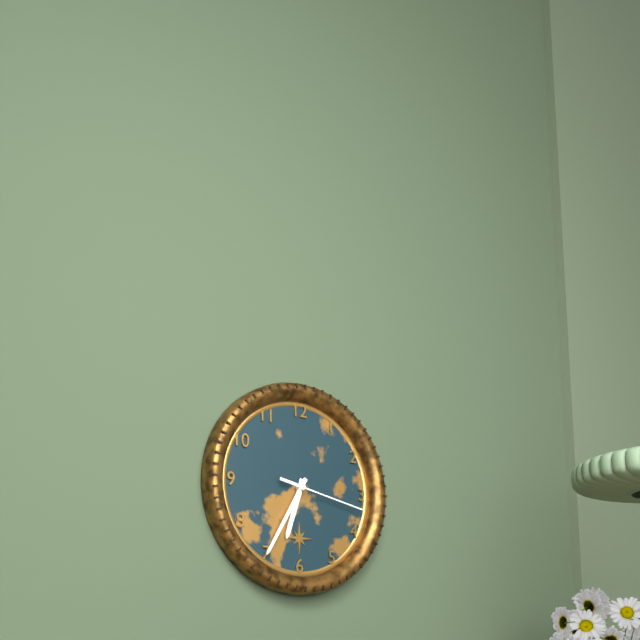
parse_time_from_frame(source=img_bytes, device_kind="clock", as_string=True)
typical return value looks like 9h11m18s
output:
6h35m17s
